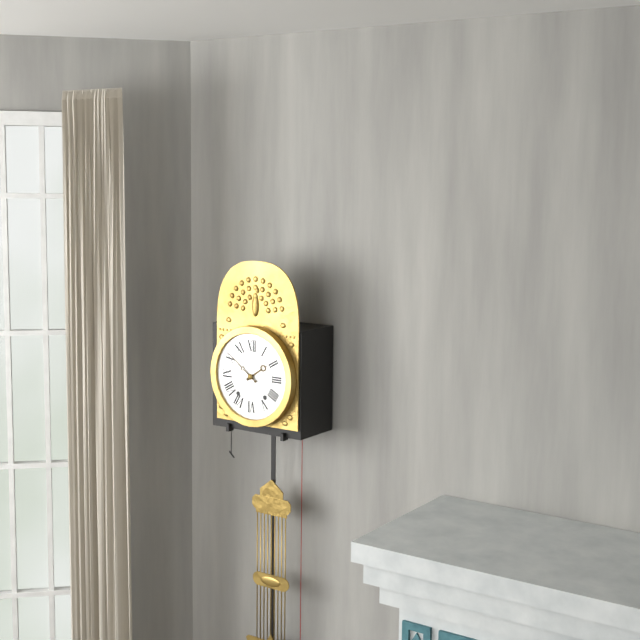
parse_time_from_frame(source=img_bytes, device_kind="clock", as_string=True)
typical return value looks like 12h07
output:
1h51
